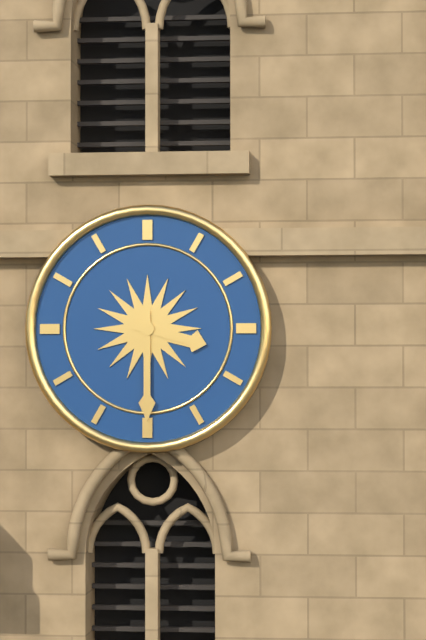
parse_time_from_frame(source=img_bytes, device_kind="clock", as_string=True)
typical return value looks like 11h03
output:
3h30
